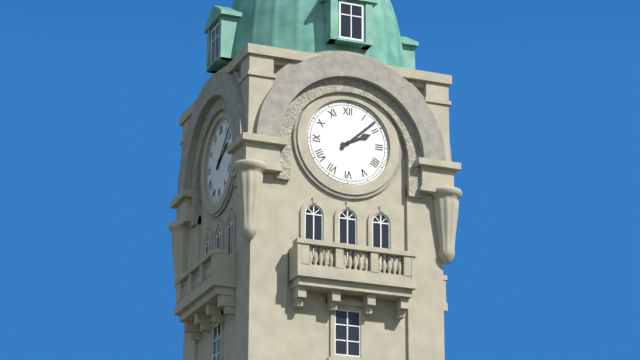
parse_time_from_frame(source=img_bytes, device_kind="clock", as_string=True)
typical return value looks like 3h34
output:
2h08
